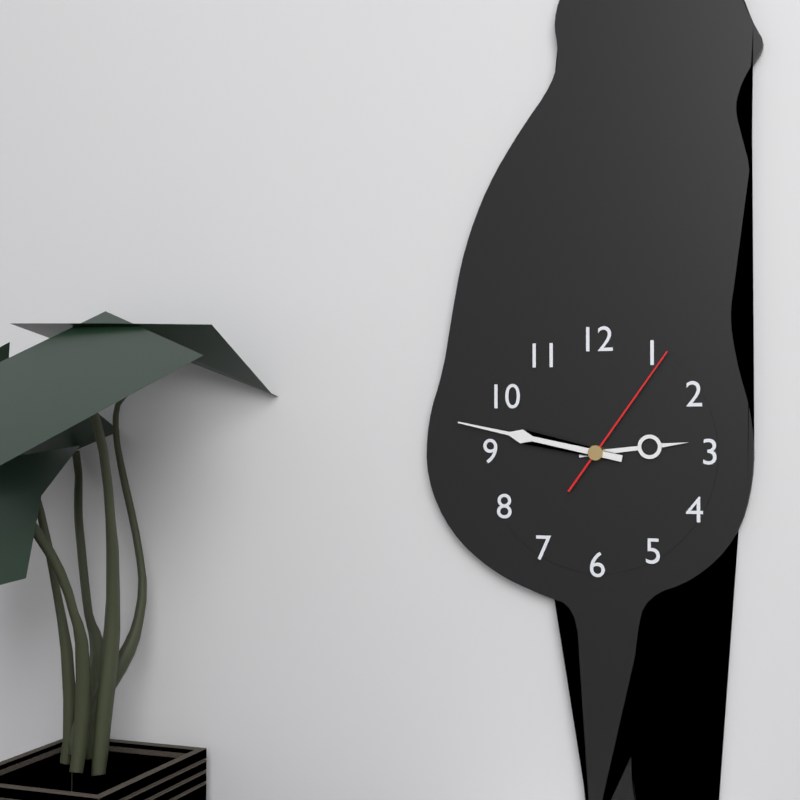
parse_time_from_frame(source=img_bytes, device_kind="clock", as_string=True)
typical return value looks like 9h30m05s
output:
2h47m06s
